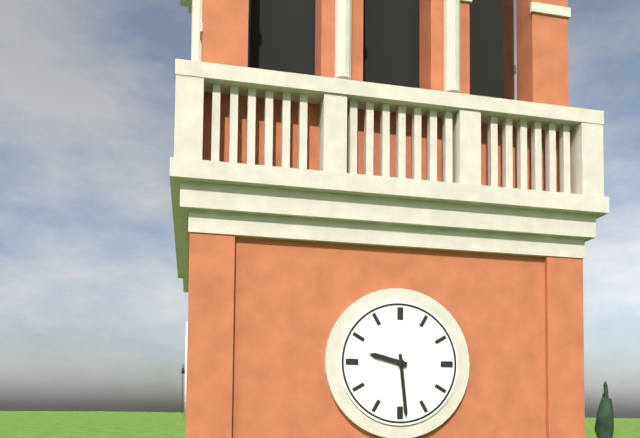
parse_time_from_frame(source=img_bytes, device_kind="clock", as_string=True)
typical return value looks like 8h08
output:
9h29
